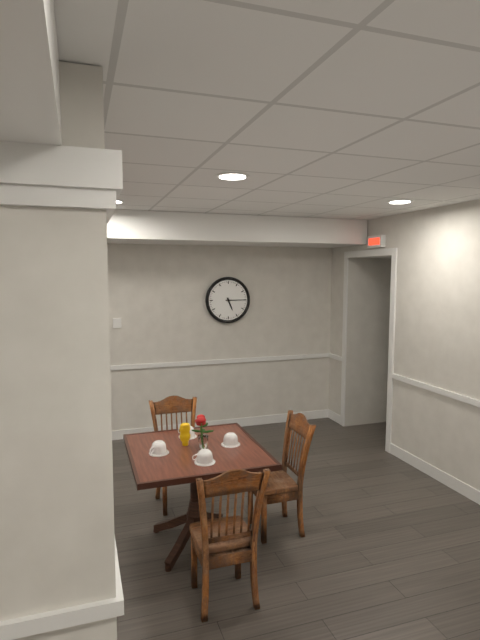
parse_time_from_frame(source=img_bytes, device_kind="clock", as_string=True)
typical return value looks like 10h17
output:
5h15
